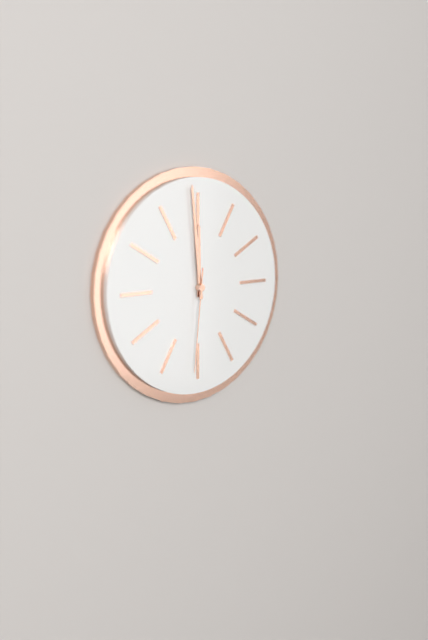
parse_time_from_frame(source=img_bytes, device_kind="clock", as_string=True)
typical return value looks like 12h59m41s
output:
11h59m31s
